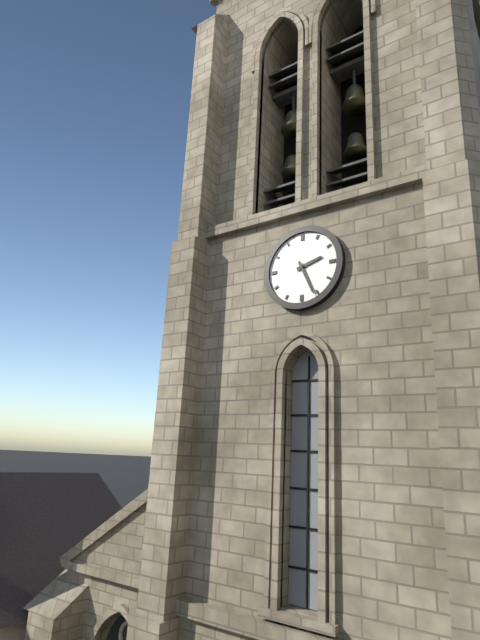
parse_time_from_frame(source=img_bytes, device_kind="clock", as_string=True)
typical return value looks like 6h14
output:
2h26
